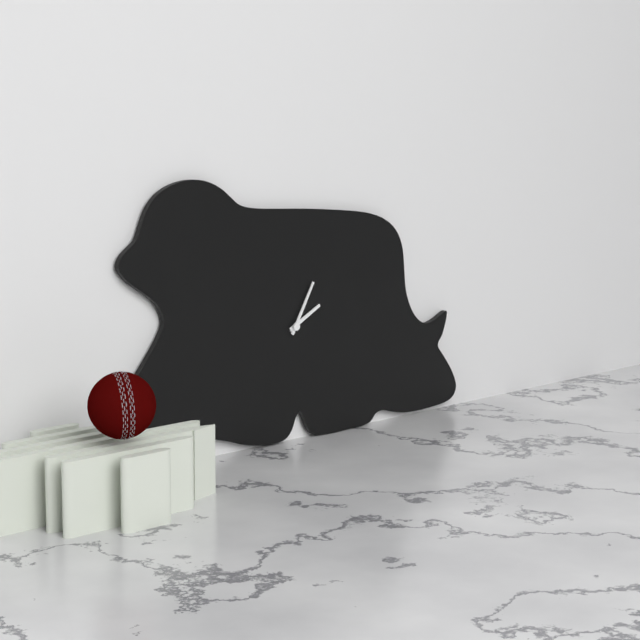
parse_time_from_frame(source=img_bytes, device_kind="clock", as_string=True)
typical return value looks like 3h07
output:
2h05
